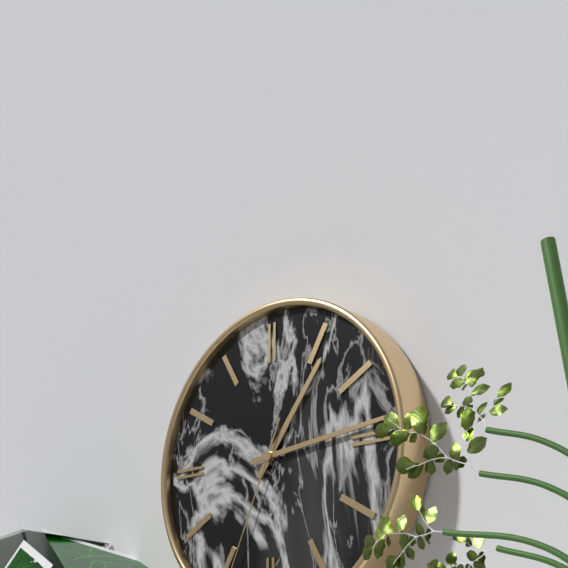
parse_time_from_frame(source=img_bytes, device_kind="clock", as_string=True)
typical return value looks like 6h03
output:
1h14
